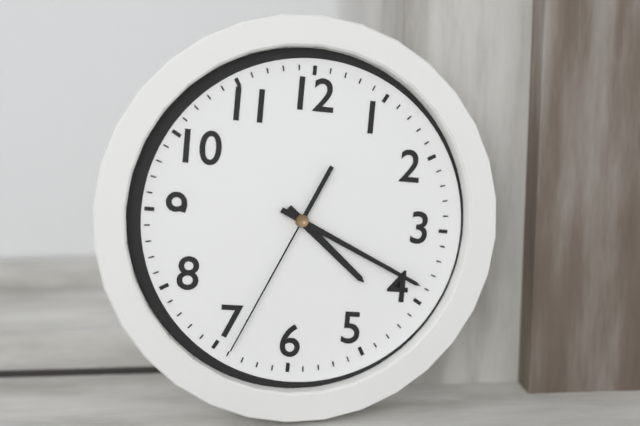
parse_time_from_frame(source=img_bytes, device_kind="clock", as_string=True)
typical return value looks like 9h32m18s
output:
4h19m34s
